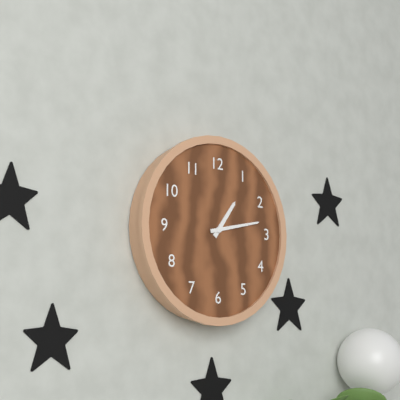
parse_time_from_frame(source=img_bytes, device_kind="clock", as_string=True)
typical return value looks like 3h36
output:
1h13
